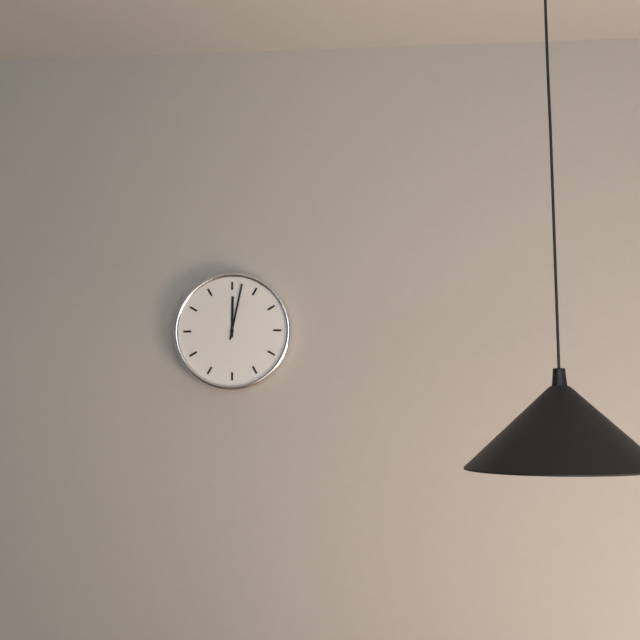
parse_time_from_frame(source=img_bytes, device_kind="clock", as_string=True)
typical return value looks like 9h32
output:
12h02
